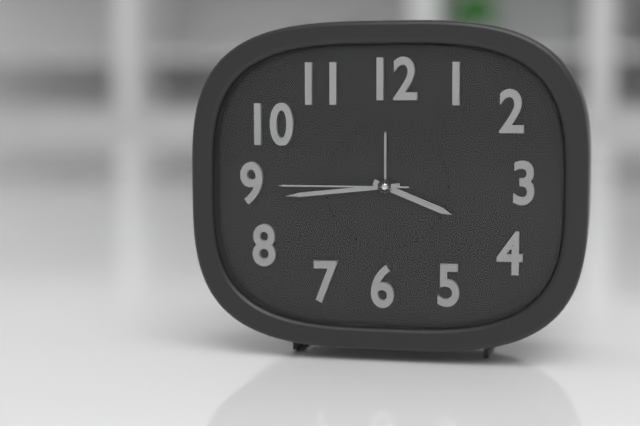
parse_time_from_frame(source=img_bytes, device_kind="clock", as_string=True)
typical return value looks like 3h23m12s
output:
3h44m45s
